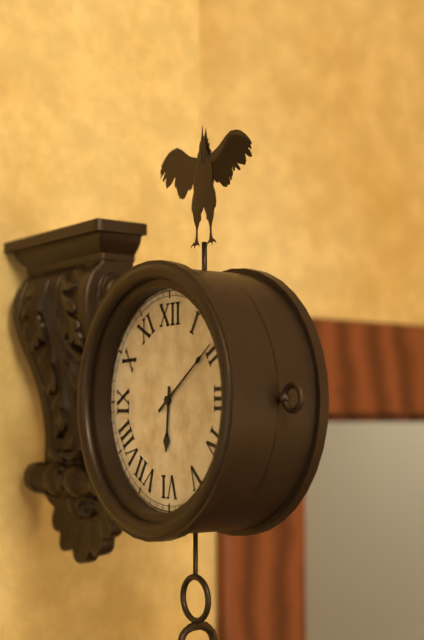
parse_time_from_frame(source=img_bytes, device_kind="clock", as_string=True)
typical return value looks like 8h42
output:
6h09
